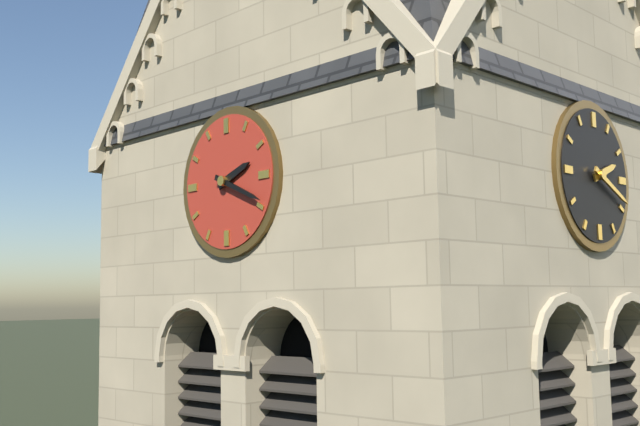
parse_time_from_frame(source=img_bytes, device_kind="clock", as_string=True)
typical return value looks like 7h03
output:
2h19
